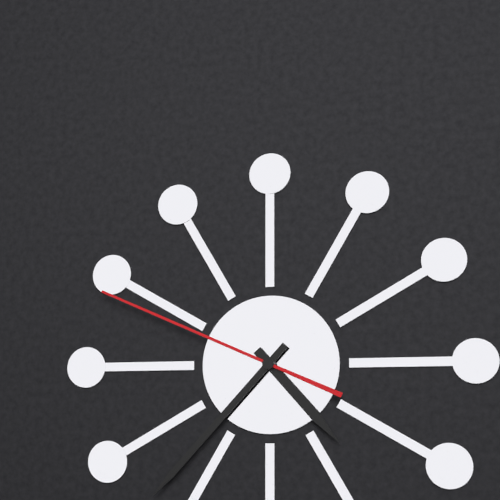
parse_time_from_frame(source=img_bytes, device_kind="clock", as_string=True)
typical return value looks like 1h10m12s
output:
4h37m49s
